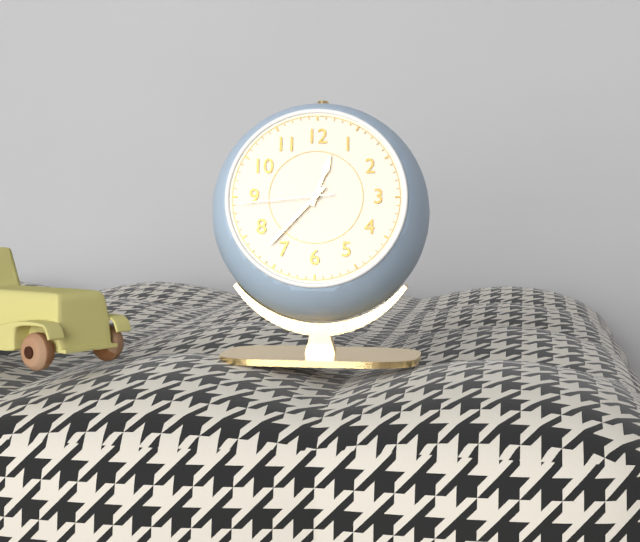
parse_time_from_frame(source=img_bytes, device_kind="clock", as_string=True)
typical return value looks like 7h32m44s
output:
12h37m44s
